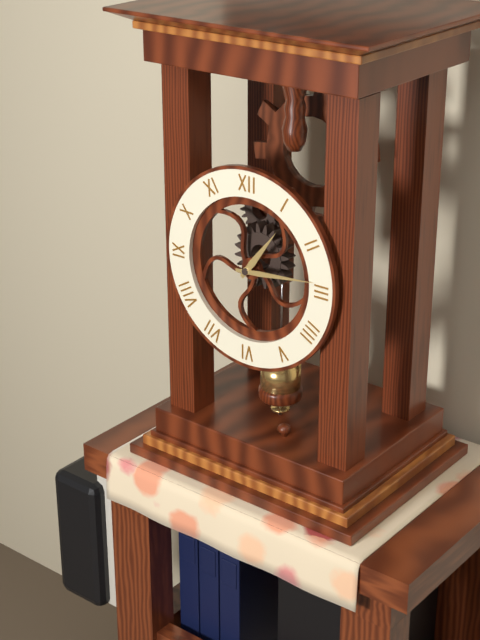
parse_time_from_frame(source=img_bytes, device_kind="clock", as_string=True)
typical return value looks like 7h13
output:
1h14
